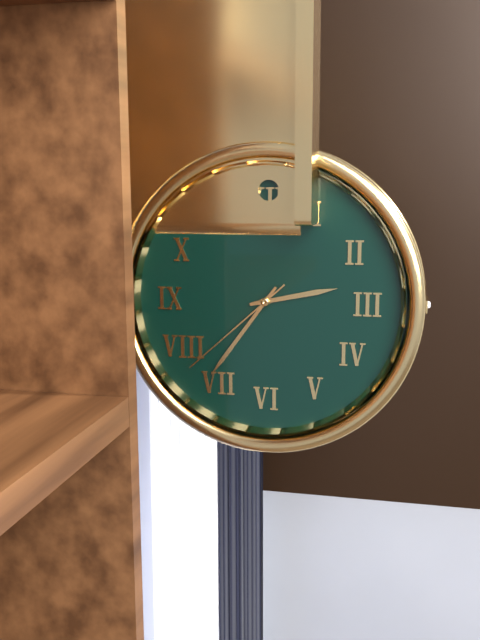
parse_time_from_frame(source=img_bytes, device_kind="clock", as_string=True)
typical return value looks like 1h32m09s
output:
2h36m38s
